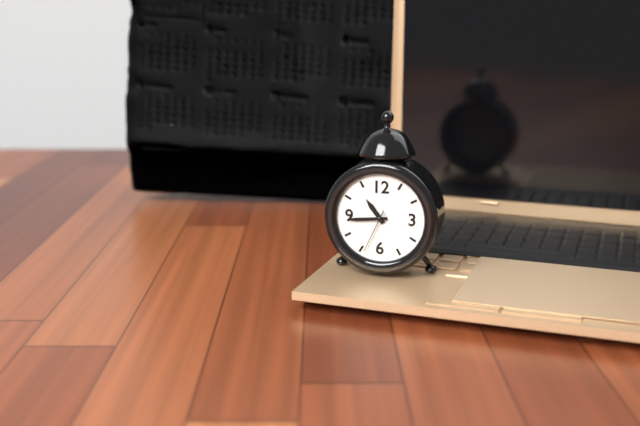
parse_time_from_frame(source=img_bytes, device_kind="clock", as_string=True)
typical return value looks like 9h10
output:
10h44
